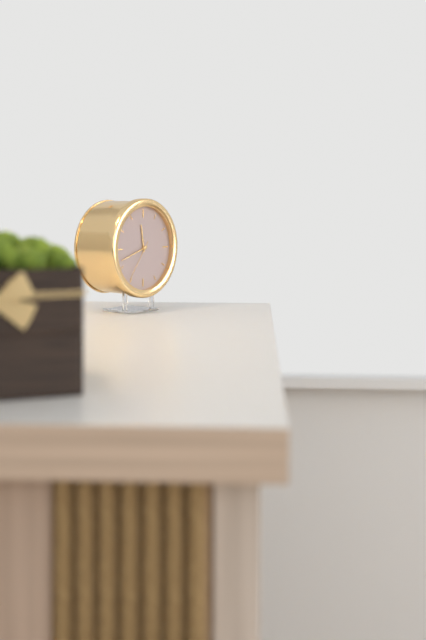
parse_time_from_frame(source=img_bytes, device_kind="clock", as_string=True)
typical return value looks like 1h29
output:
11h42
